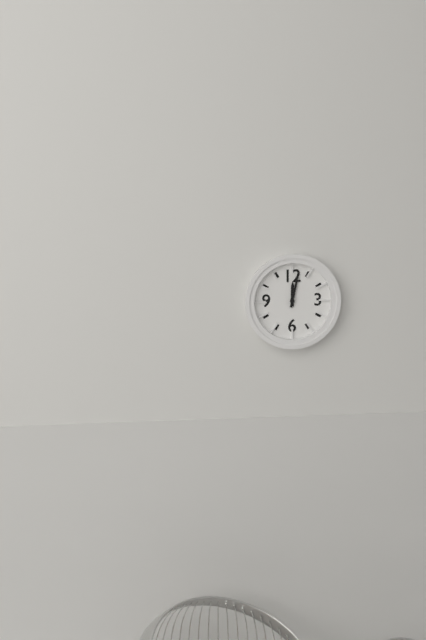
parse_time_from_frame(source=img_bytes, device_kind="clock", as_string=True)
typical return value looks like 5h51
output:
12h02
